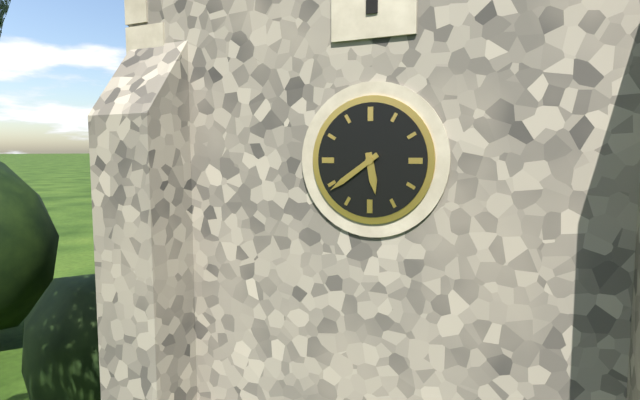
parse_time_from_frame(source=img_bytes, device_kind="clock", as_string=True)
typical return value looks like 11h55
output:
5h39
